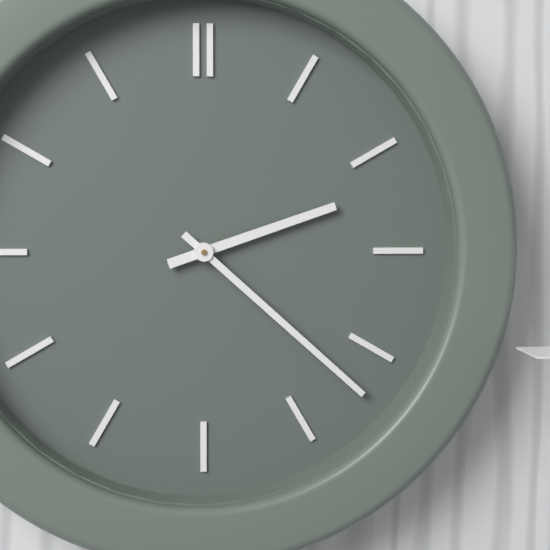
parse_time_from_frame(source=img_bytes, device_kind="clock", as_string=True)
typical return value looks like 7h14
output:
2h22
